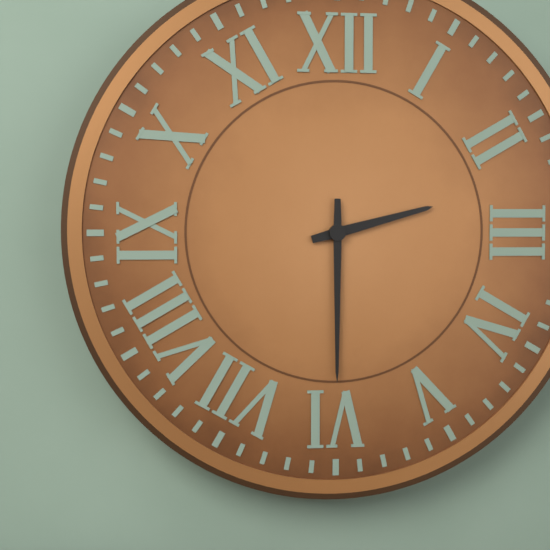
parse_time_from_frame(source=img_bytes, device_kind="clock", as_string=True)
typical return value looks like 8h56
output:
2h30
